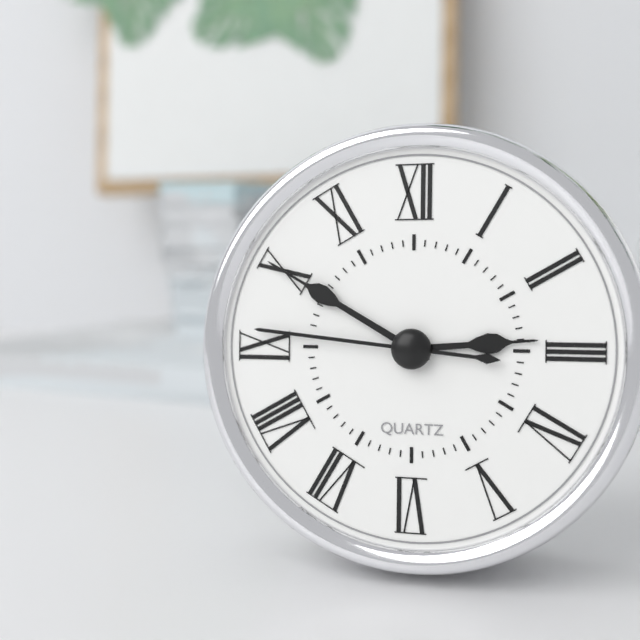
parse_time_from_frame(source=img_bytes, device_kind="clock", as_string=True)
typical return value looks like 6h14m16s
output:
2h50m46s
